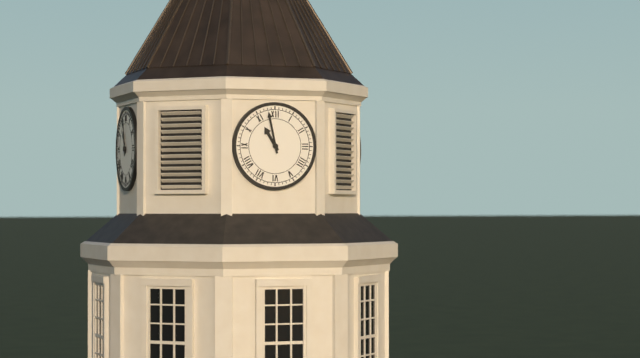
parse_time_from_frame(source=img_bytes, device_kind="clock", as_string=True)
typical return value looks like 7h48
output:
10h58
